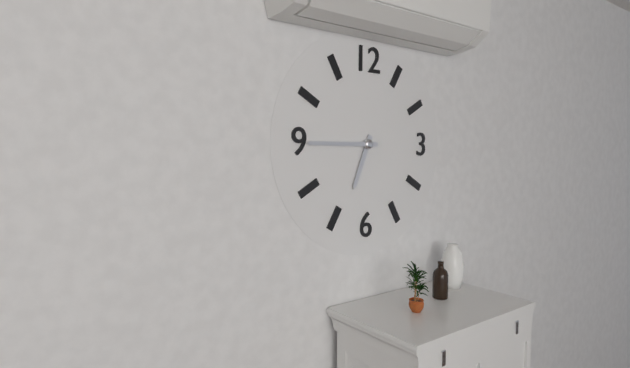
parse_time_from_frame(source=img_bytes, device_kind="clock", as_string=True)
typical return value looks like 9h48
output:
6h45
